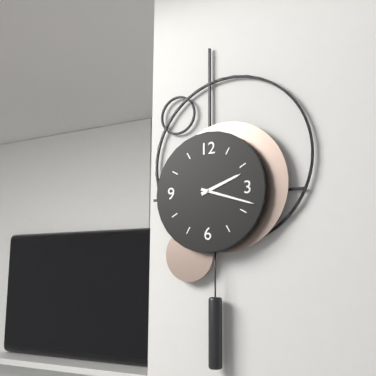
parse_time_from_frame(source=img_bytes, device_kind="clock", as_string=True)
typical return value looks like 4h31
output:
2h18
